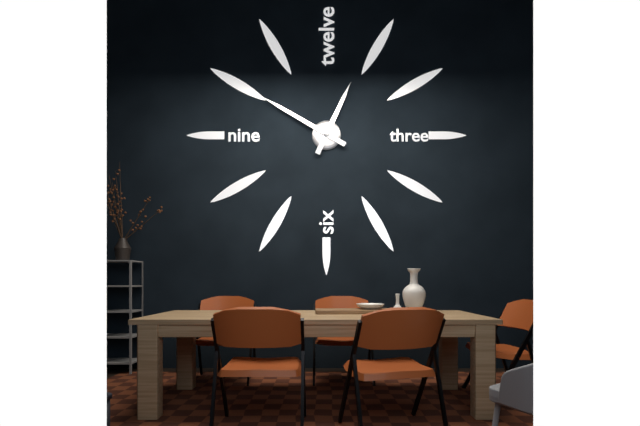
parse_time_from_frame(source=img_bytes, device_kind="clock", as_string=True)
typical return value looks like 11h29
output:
12h50
